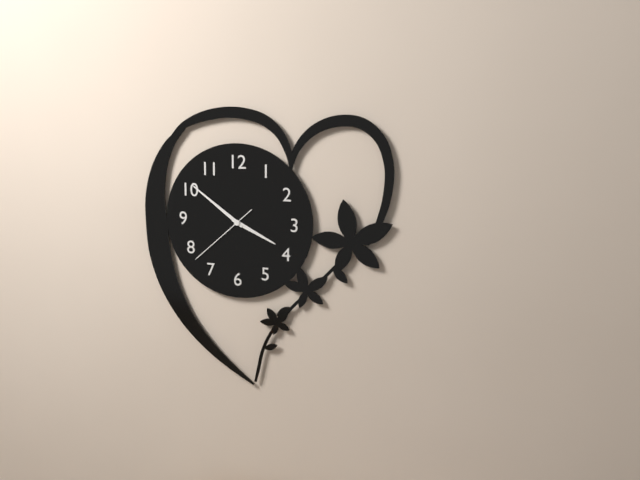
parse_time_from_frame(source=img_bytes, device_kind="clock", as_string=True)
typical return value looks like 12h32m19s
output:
3h51m38s
